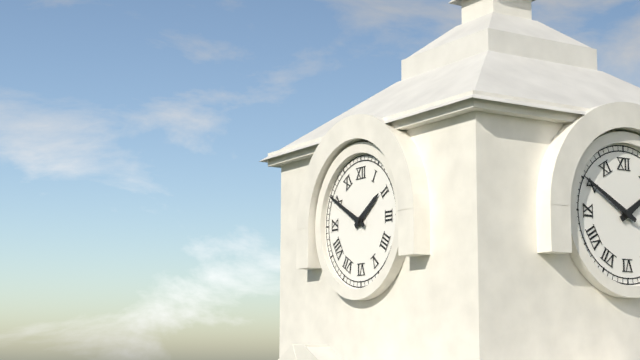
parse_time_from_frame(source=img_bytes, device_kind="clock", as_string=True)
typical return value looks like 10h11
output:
1h50
